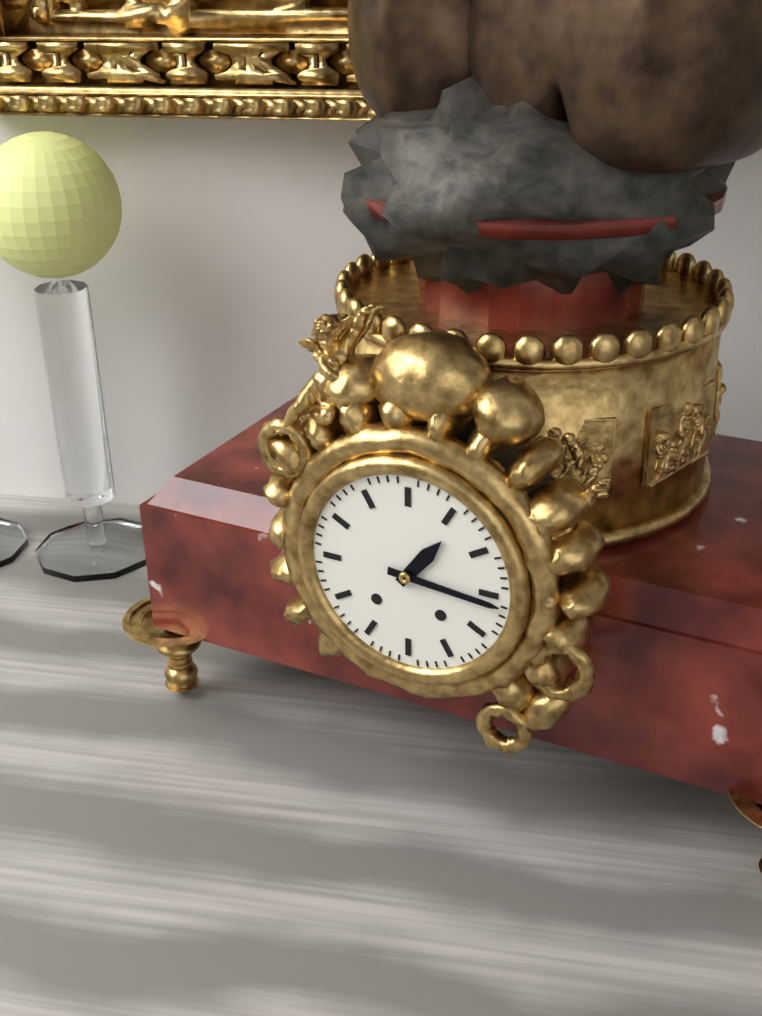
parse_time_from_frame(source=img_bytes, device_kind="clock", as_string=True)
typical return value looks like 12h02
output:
1h16
